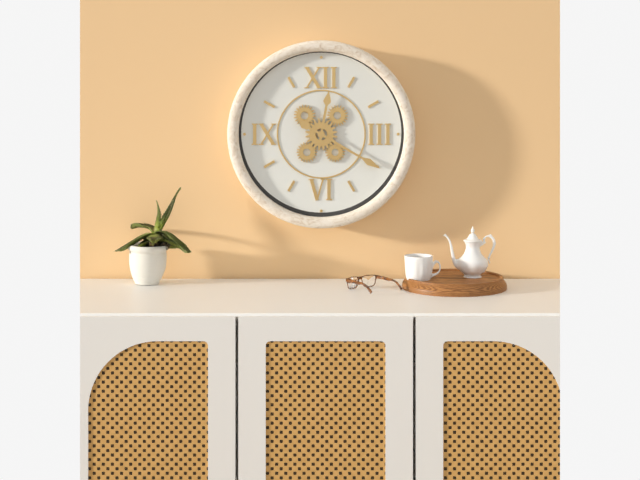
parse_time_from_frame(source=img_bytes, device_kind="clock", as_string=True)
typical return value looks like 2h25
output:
12h20
